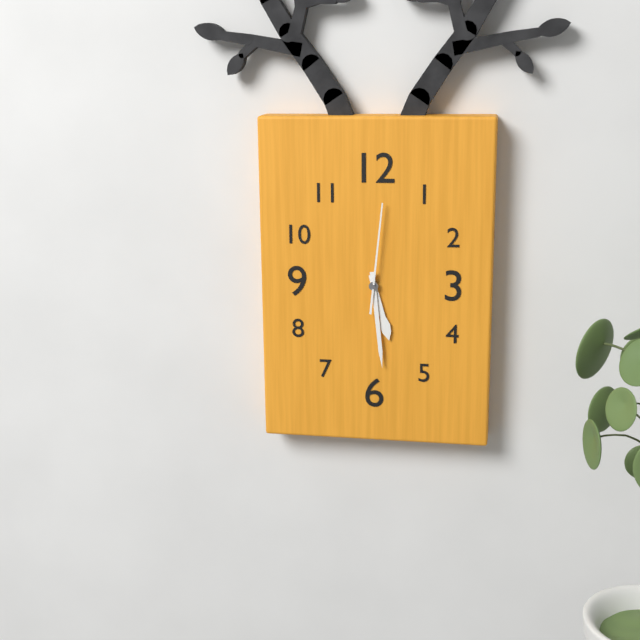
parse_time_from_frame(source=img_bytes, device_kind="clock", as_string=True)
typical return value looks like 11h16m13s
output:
5h29m01s
